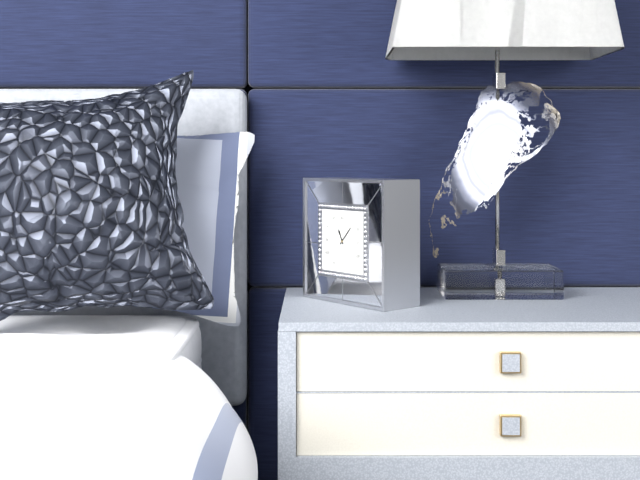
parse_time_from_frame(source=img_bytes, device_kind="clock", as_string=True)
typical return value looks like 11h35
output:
11h07
